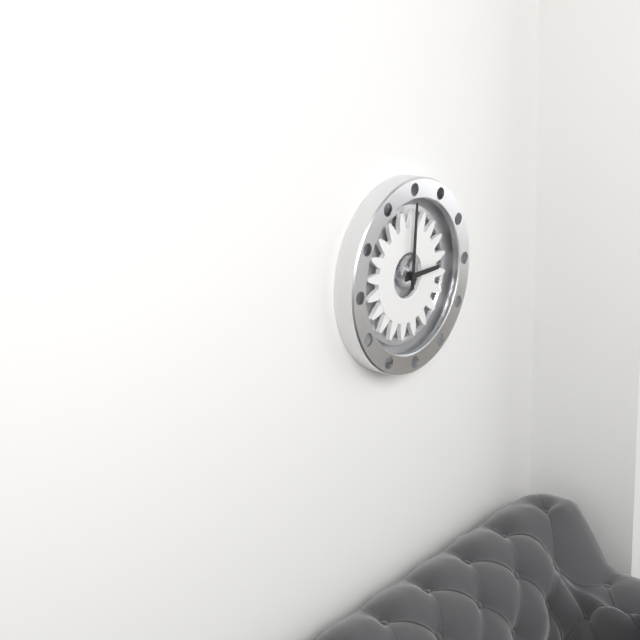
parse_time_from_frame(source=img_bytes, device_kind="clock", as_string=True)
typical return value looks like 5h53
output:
3h01
